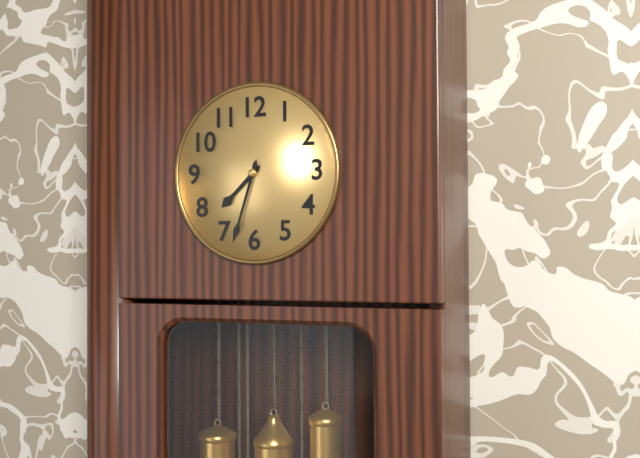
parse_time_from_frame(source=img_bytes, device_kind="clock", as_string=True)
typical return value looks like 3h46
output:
7h33
